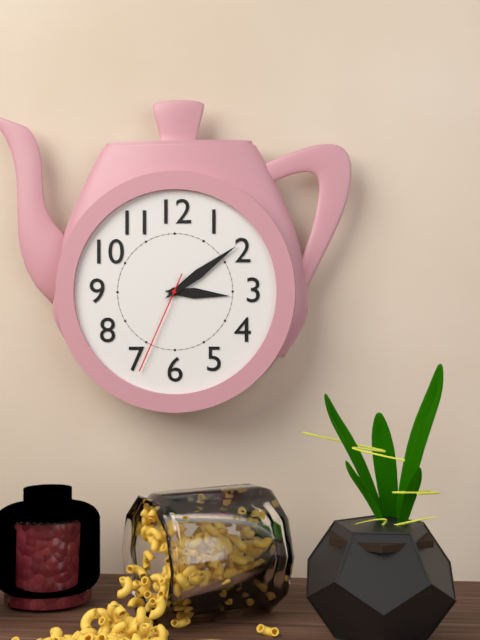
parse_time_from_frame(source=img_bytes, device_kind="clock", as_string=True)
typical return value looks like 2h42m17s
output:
3h09m34s
